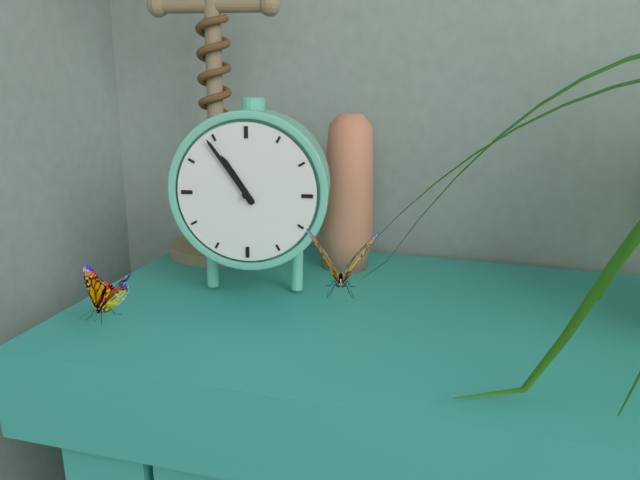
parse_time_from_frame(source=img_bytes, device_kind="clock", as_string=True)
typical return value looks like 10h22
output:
10h54
